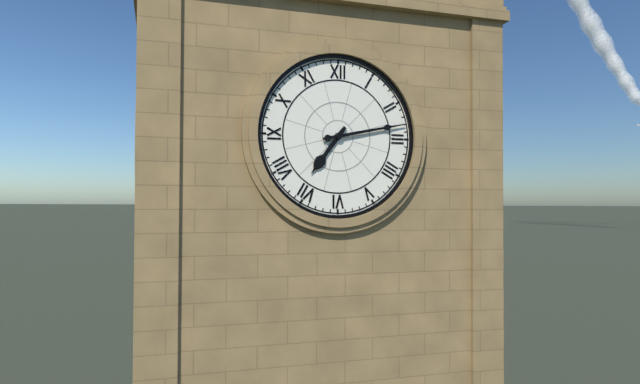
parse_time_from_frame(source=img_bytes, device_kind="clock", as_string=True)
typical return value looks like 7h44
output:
7h13
